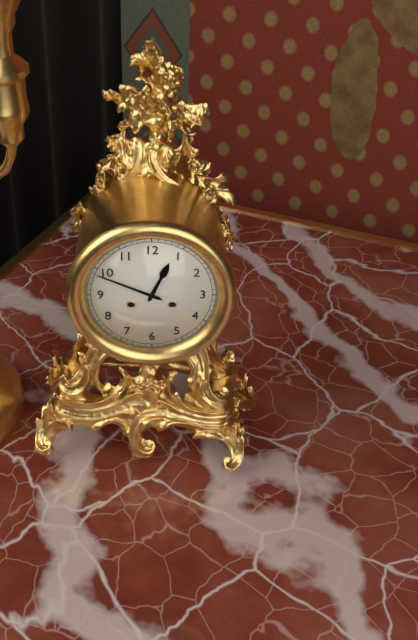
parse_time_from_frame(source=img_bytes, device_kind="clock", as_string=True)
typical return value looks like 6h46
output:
12h49
